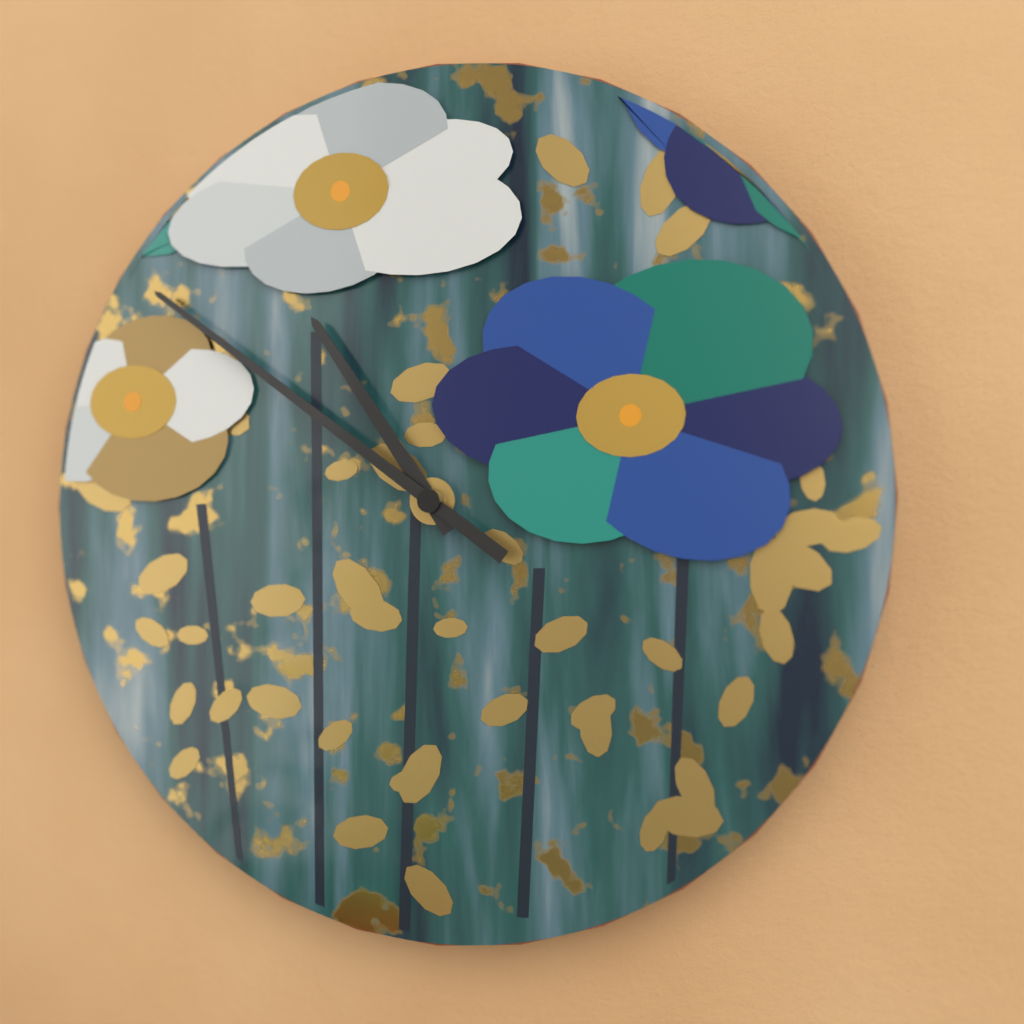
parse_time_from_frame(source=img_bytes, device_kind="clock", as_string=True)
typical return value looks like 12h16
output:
10h51
